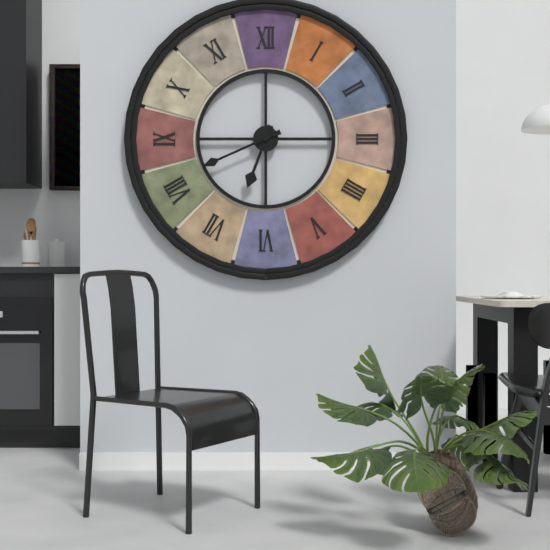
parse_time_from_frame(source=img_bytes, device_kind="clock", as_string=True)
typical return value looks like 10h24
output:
6h41
